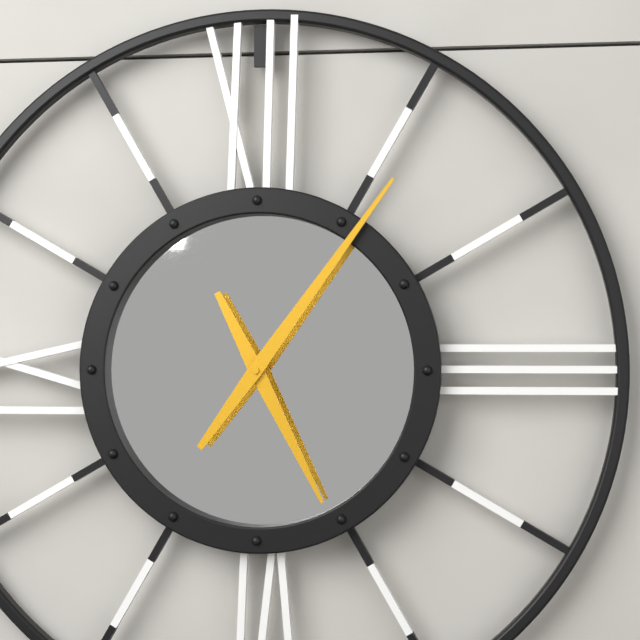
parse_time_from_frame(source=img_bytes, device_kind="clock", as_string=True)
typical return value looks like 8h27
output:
5h06
